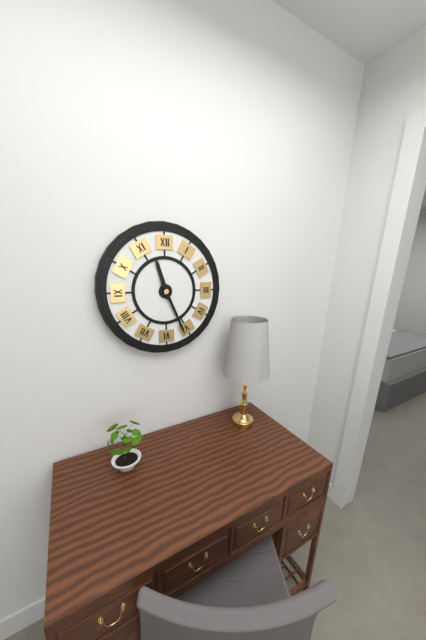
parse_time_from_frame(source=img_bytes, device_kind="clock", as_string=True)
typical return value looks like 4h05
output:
11h26
